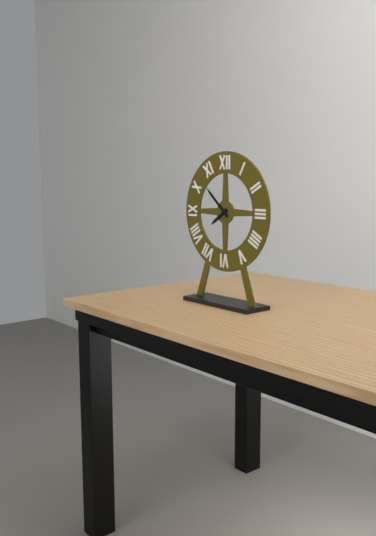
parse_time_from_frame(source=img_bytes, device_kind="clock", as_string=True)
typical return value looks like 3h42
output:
7h52
